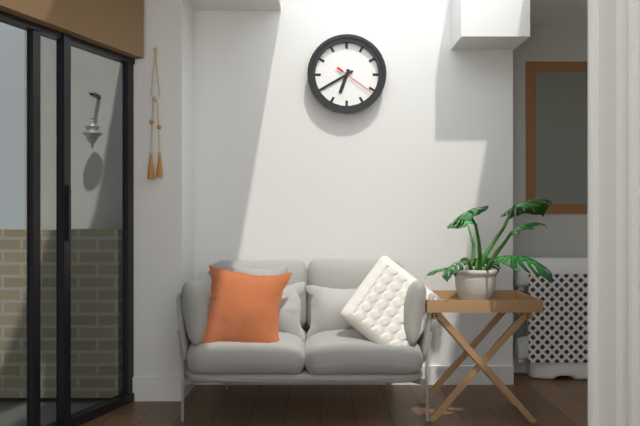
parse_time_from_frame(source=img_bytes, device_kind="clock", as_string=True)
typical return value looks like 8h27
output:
6h40
